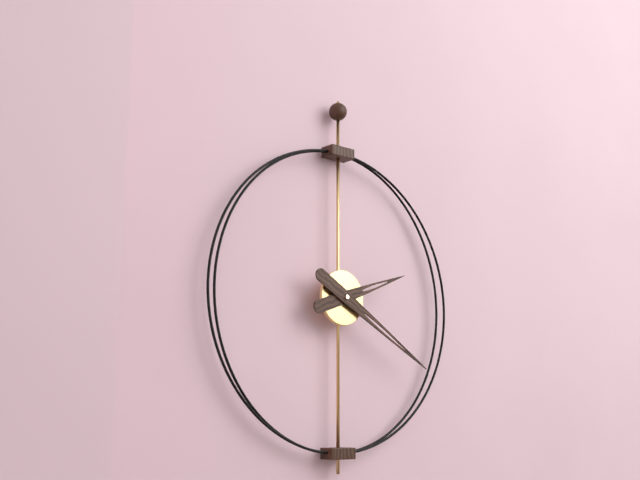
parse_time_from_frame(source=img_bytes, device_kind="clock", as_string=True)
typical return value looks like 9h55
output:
2h20
